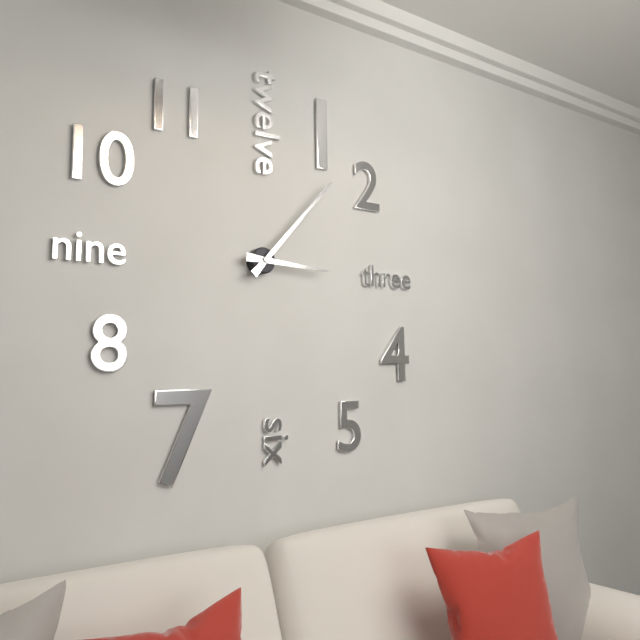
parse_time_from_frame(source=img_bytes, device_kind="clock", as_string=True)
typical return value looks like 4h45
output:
3h07
